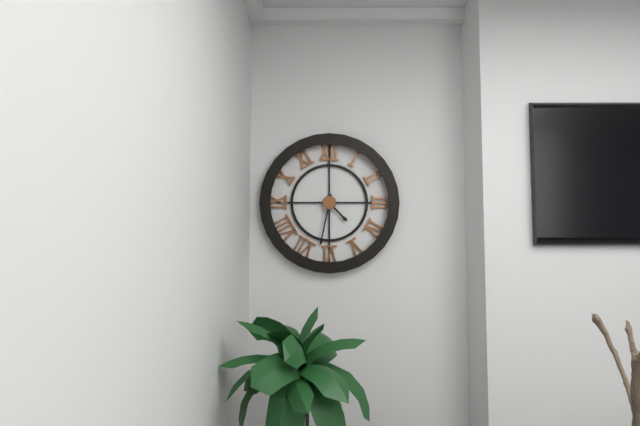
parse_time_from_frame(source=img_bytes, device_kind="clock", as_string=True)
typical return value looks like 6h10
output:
4h32
